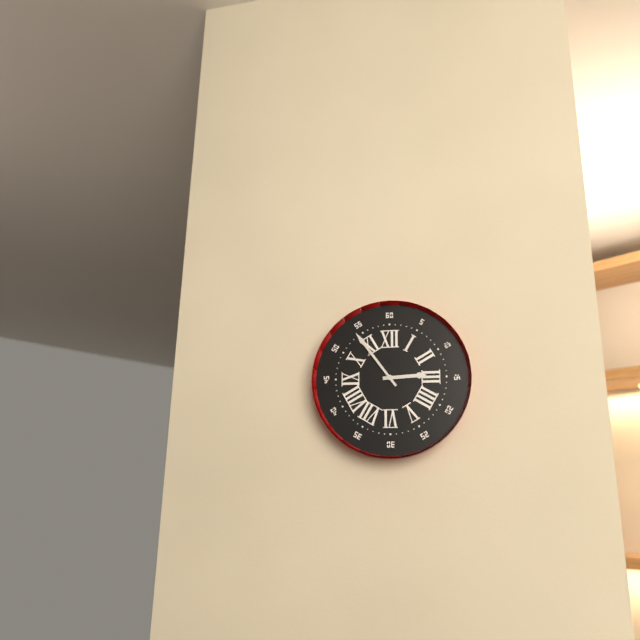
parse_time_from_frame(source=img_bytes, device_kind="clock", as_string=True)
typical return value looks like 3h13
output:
2h54
